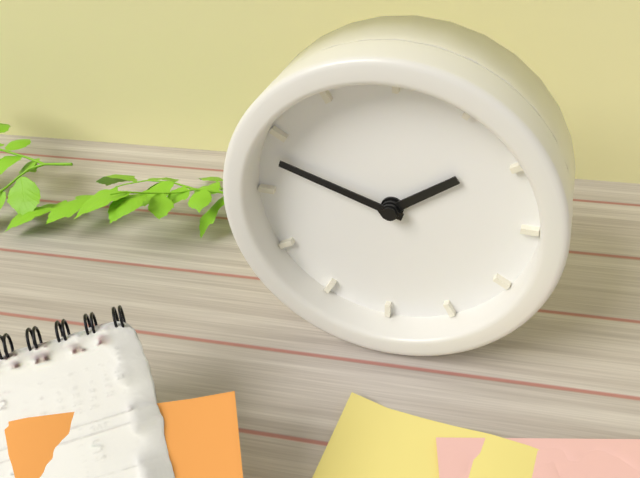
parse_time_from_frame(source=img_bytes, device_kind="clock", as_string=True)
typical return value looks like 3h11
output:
1h48
